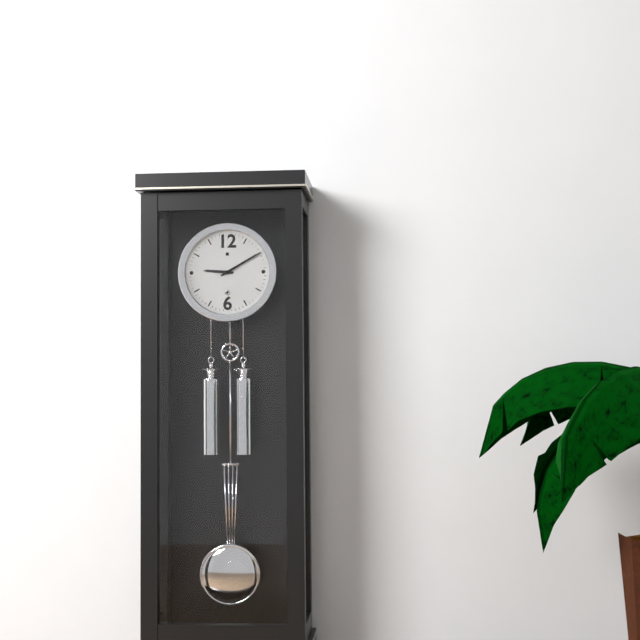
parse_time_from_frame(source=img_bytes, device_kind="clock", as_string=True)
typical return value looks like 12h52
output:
9h10
